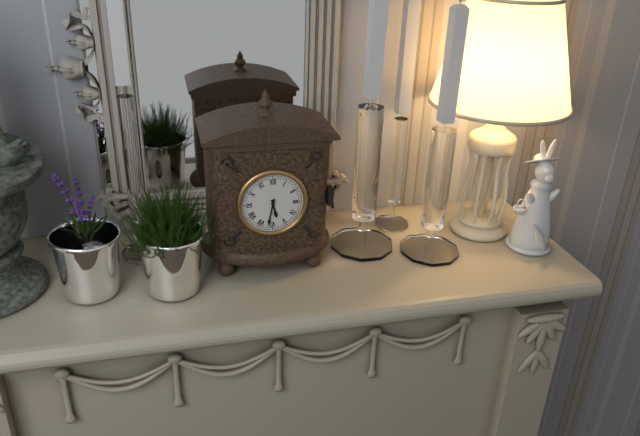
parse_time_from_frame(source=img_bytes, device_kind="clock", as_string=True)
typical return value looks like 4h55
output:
5h32
